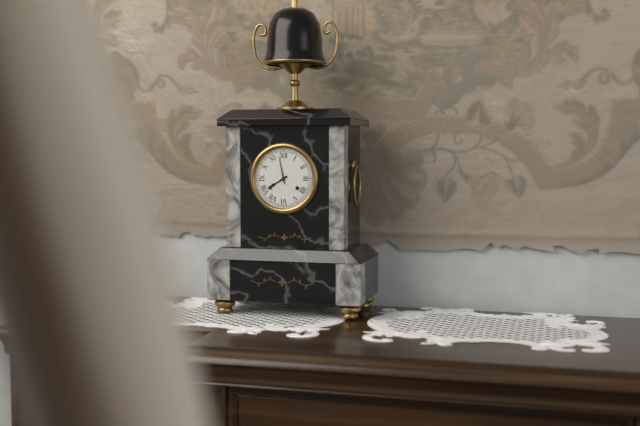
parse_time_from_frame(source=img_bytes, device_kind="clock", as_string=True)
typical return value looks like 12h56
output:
7h58
